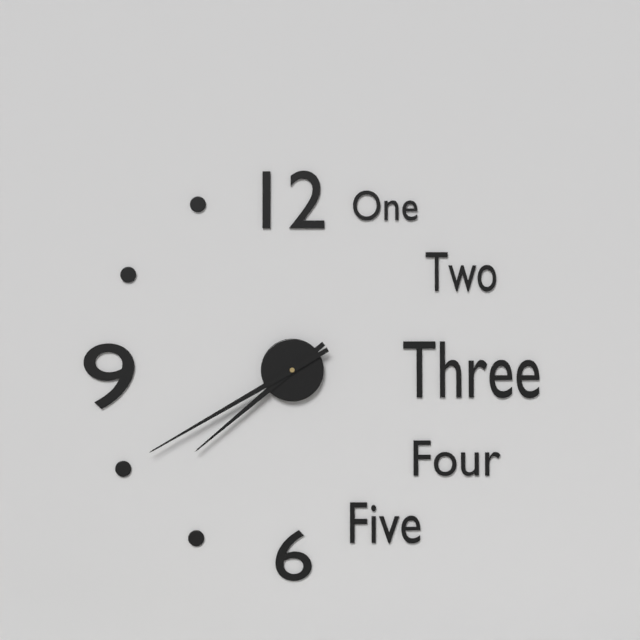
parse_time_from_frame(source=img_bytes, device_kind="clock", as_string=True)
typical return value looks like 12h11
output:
7h40
